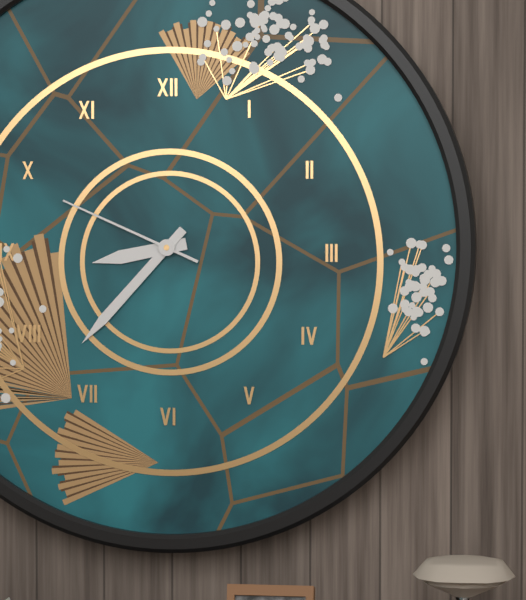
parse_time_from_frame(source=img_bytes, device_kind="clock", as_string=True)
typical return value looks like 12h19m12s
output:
8h37m49s
